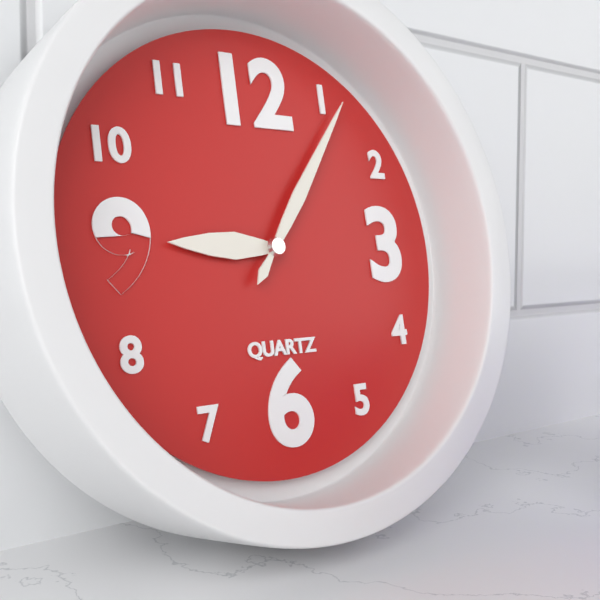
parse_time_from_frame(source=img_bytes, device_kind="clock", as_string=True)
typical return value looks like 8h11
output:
9h06
